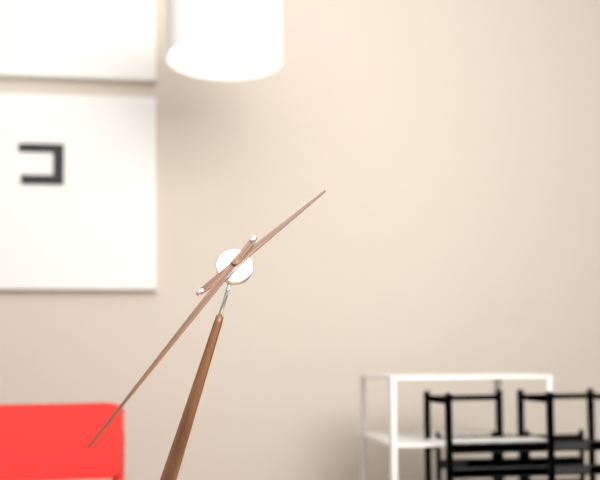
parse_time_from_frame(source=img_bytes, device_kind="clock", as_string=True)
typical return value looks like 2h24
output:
1h36
